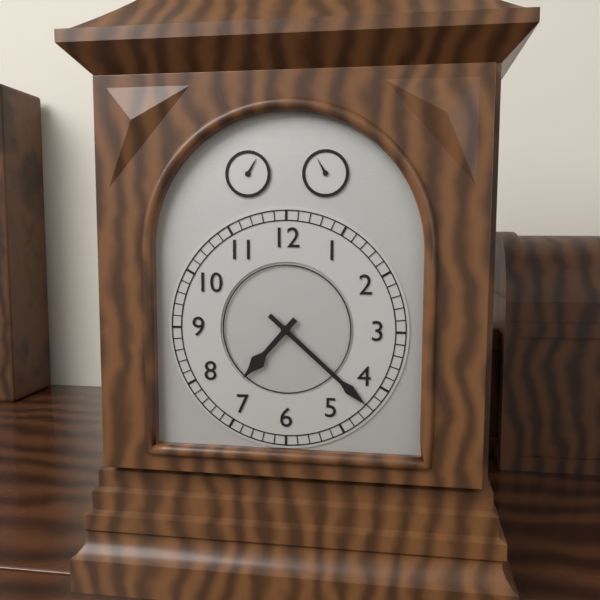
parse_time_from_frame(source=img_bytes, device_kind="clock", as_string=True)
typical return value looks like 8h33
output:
7h22
